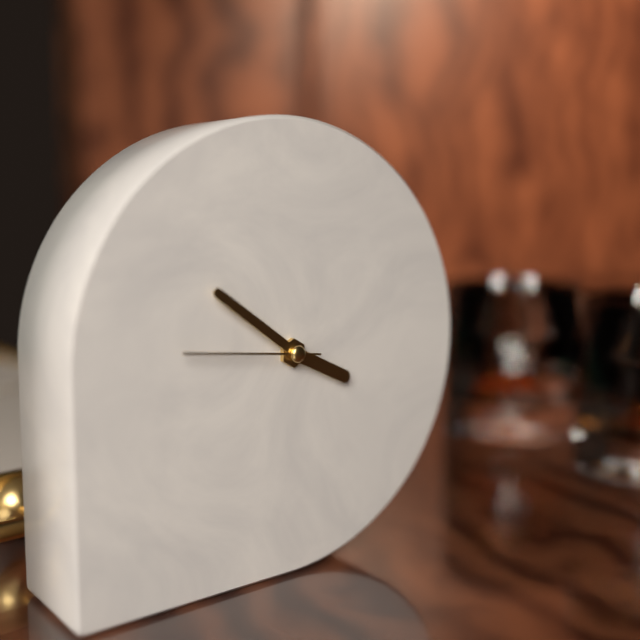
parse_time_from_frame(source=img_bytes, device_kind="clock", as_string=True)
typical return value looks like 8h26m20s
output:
3h51m46s
